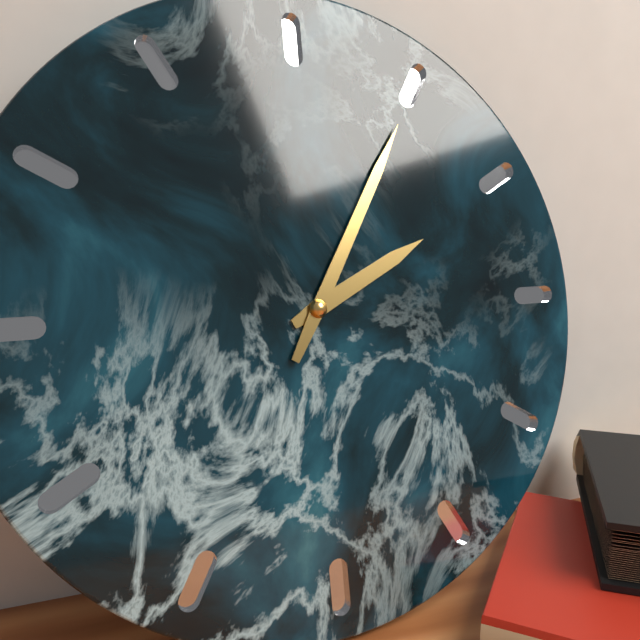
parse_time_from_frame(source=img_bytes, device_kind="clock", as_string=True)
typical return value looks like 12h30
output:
2h05
